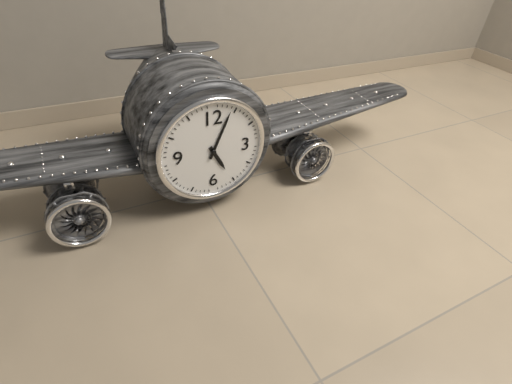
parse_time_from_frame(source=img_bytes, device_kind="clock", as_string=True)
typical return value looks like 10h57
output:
5h04
